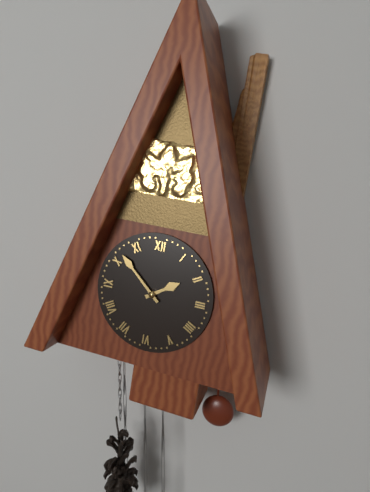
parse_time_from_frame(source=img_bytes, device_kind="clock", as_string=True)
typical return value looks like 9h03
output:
1h52
